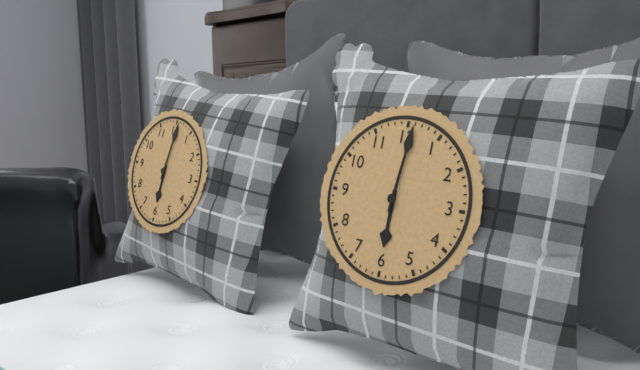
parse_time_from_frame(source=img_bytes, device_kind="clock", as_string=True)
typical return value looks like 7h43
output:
6h01
